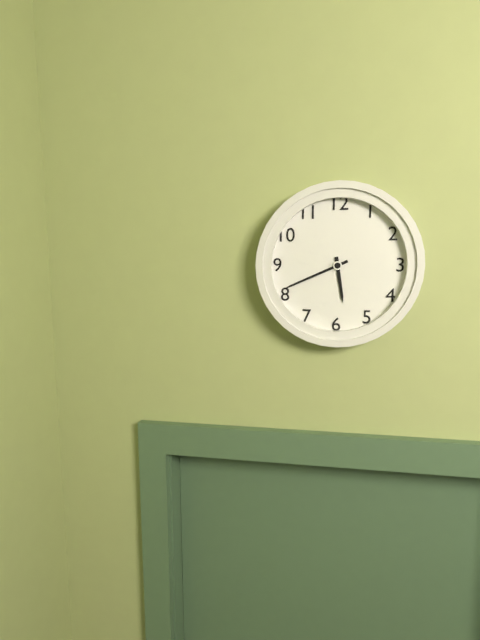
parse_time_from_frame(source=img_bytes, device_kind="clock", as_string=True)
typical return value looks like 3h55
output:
5h41
